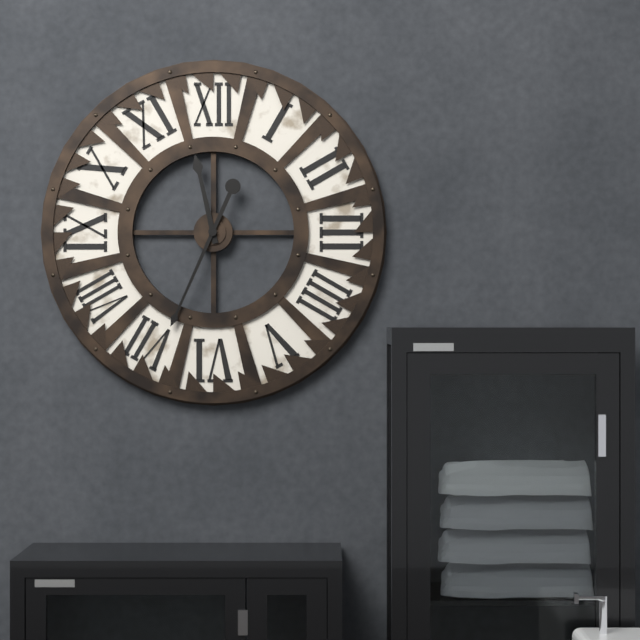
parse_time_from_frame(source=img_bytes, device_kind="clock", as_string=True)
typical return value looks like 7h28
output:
11h34
